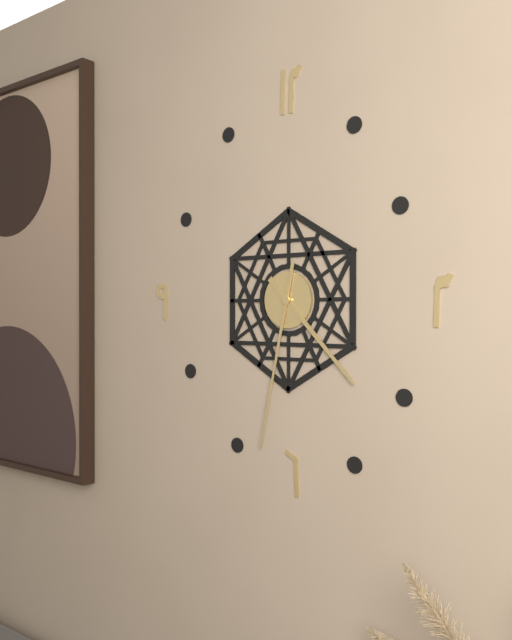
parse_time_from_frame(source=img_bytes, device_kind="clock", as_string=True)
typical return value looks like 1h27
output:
4h32
